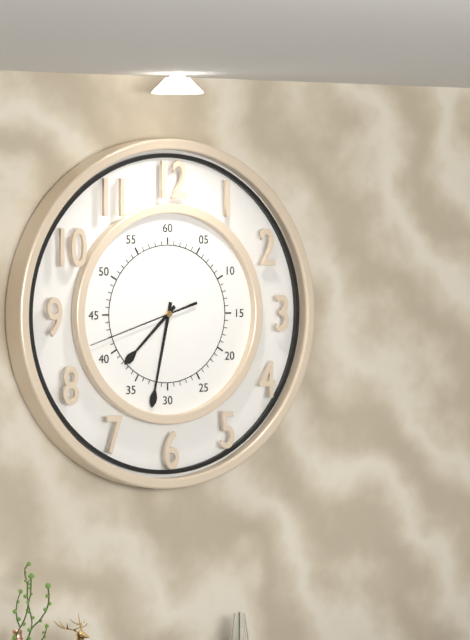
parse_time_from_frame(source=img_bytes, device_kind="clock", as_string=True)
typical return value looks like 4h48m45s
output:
7h32m42s
